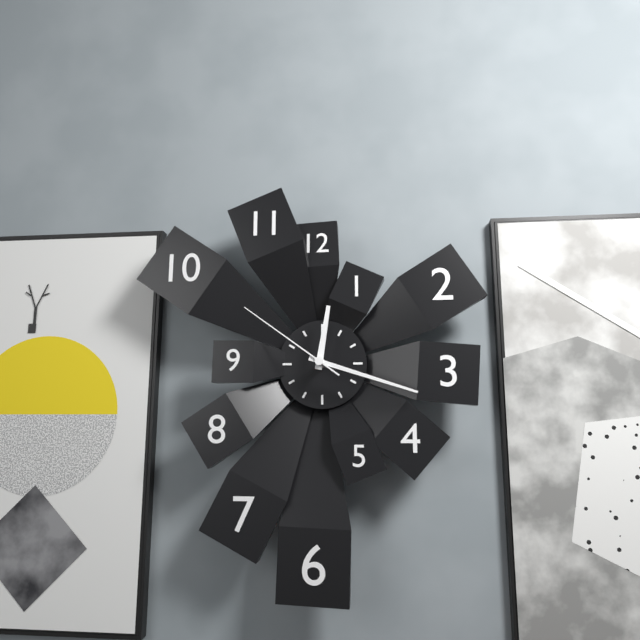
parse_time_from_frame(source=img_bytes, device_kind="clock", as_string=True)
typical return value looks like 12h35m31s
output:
12h18m51s
